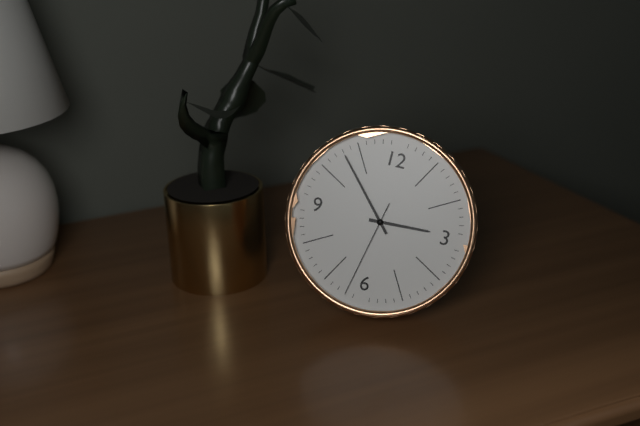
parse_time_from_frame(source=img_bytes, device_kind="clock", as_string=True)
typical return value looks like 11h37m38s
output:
2h53m32s
